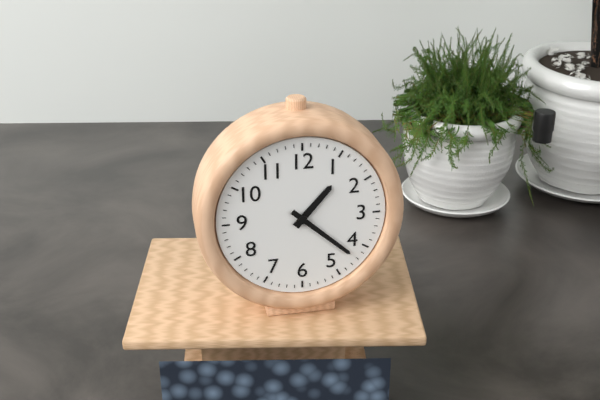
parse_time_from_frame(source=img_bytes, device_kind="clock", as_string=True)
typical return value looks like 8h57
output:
1h22
